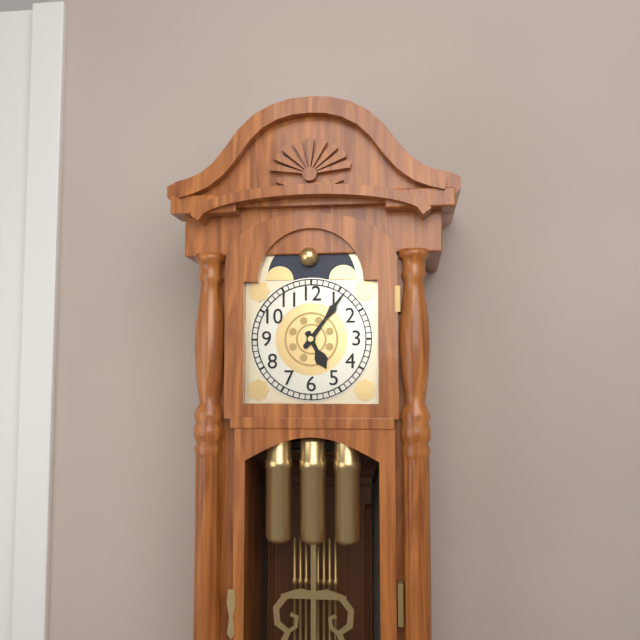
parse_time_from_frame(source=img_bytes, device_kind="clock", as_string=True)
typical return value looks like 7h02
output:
5h06
